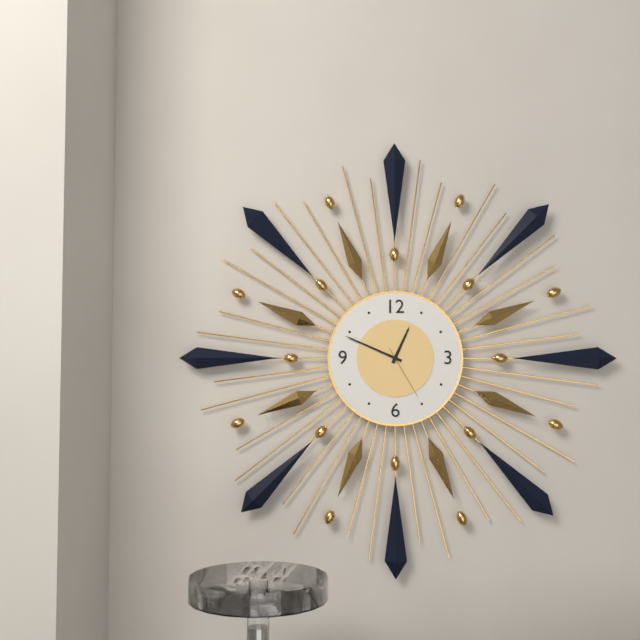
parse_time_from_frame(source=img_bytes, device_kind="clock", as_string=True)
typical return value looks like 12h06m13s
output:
12h49m25s
